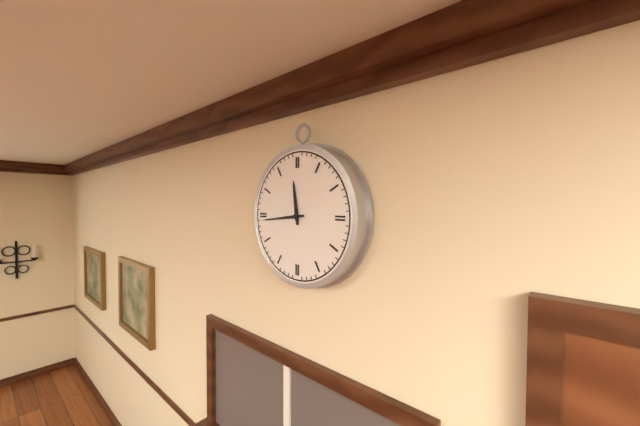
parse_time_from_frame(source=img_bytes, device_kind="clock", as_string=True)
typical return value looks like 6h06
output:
11h44
